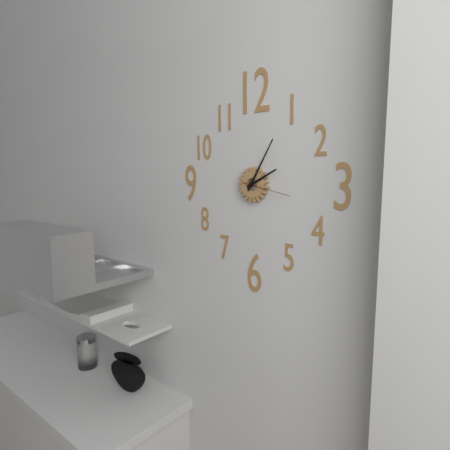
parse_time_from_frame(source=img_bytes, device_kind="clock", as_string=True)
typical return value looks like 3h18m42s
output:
2h05m17s
